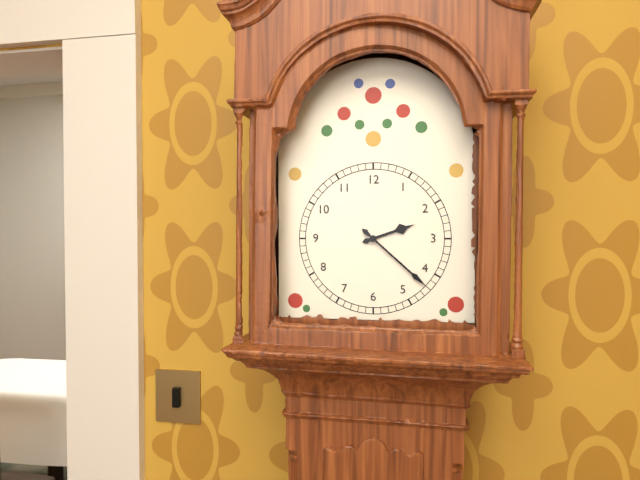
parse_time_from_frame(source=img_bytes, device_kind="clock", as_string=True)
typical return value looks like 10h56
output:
2h22
